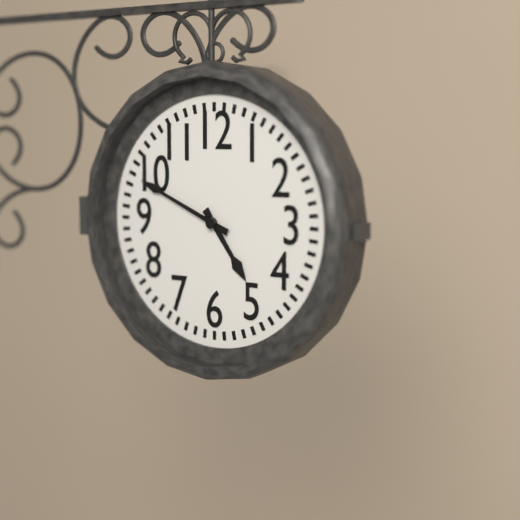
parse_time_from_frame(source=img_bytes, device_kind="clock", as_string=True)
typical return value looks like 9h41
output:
4h49
